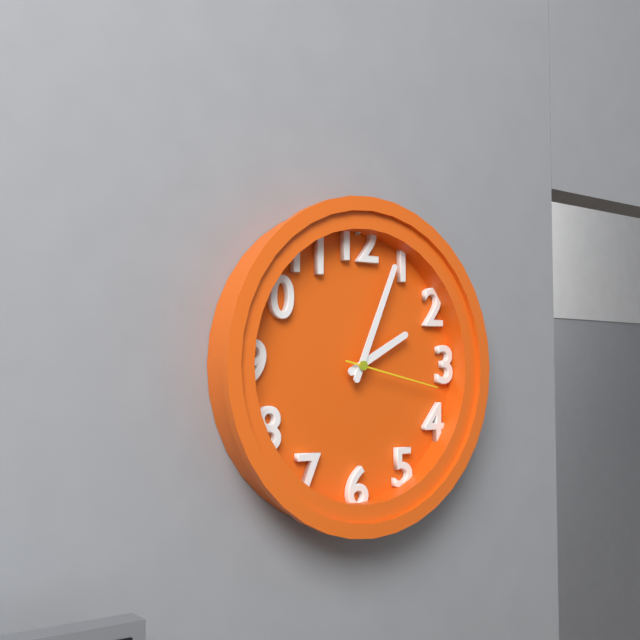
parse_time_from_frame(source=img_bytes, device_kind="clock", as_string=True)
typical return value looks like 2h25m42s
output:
2h04m17s
